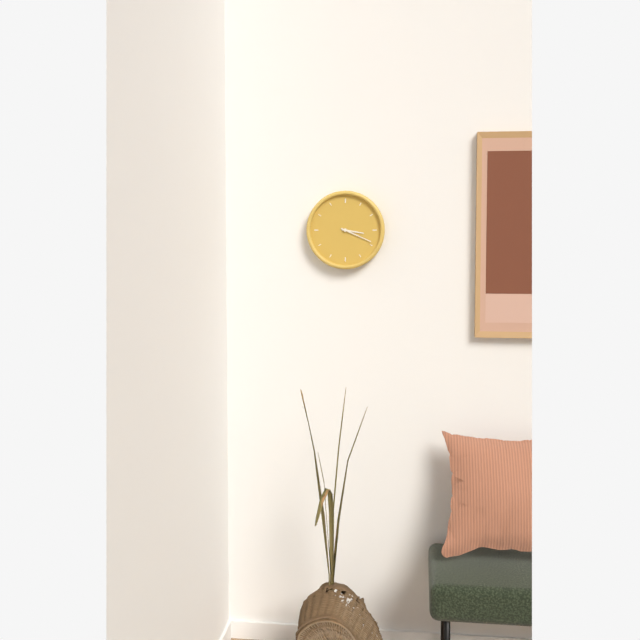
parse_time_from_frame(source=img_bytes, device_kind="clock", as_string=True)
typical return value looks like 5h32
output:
3h19
